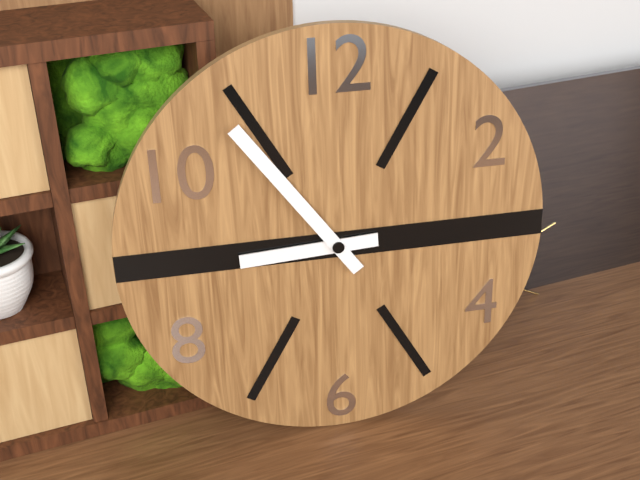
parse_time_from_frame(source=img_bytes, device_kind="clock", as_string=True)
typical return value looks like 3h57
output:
8h54
